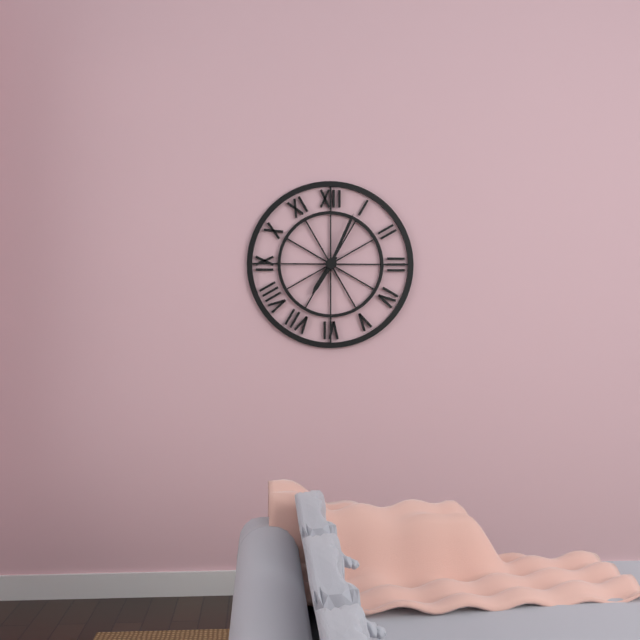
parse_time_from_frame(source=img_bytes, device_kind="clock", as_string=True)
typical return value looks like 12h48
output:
7h04
